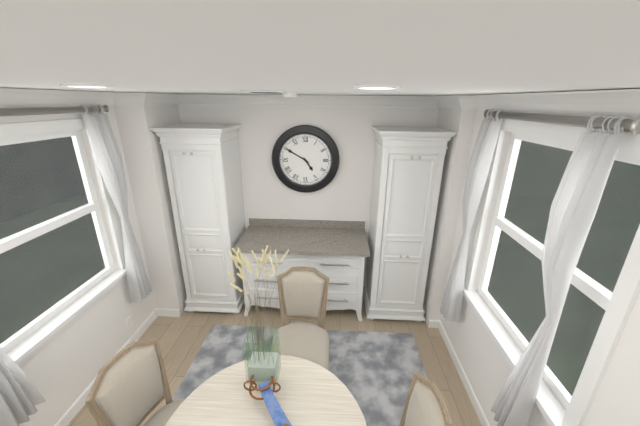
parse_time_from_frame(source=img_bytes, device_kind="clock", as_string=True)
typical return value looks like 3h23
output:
4h50
